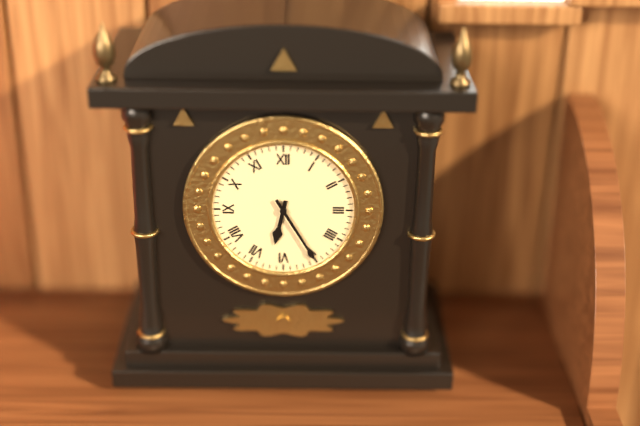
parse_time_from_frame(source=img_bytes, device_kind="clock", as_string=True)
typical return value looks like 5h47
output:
6h25
